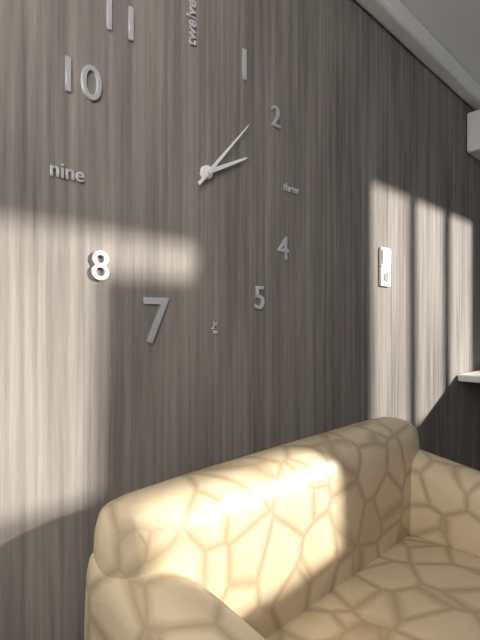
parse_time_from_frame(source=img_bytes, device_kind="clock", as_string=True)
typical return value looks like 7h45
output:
2h07
